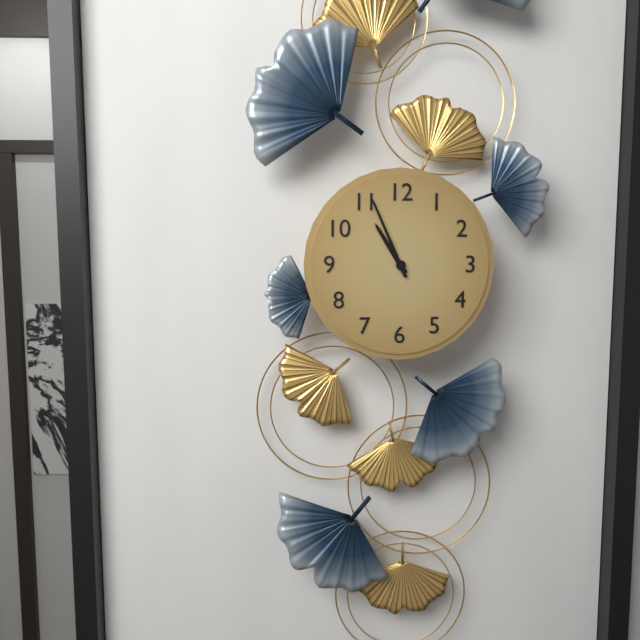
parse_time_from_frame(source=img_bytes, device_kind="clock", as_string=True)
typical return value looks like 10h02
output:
10h56
